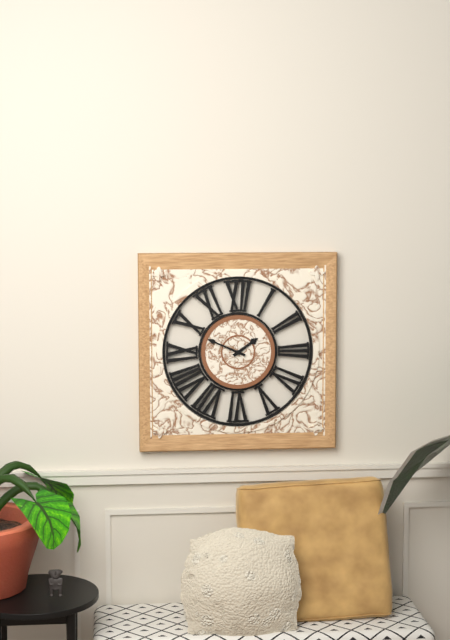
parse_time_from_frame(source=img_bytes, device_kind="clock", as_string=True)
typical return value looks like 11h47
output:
1h49
